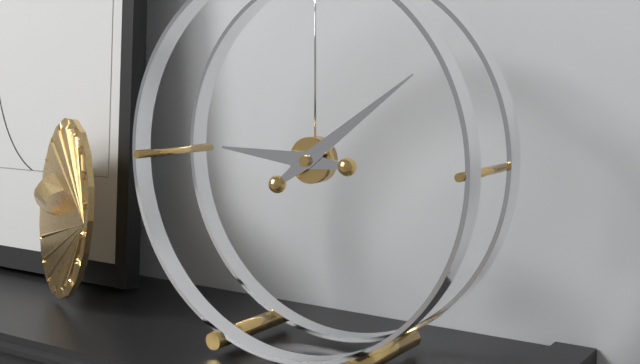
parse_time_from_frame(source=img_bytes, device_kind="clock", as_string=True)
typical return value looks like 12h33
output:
9h09
